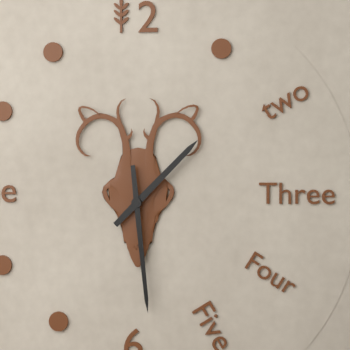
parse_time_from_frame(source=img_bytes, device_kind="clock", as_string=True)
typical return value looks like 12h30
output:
1h29
